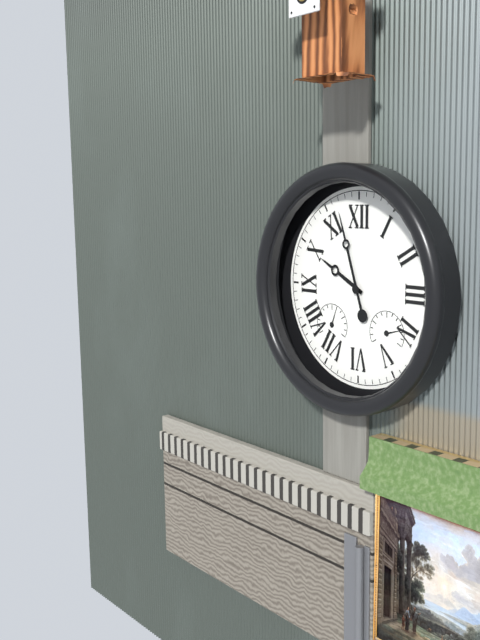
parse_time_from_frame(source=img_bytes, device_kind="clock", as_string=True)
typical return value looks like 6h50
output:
9h57
